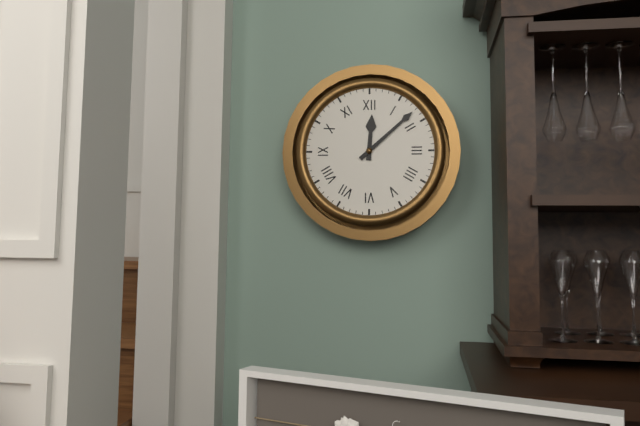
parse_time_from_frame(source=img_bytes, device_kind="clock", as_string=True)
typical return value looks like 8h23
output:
12h08
